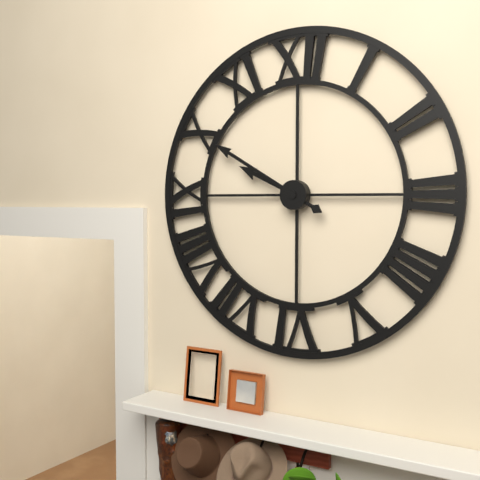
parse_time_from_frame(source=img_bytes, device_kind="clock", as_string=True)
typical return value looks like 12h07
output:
9h50
